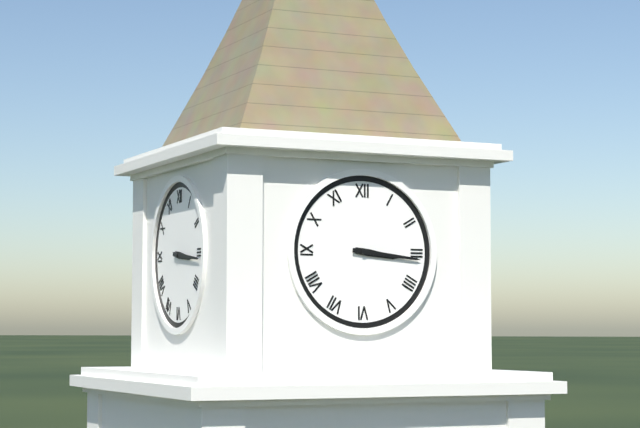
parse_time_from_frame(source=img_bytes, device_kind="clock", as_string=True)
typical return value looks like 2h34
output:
3h16
